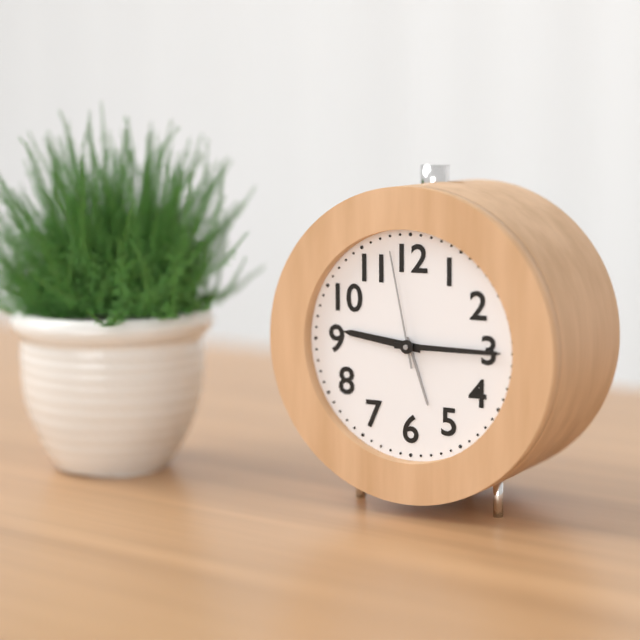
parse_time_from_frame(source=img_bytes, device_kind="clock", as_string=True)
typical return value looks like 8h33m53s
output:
9h15m58s
